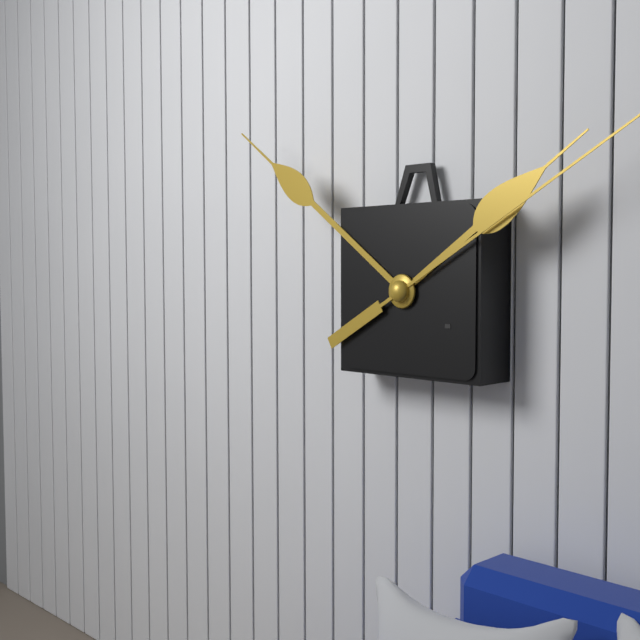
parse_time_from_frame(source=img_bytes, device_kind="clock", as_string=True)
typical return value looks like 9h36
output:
1h51
